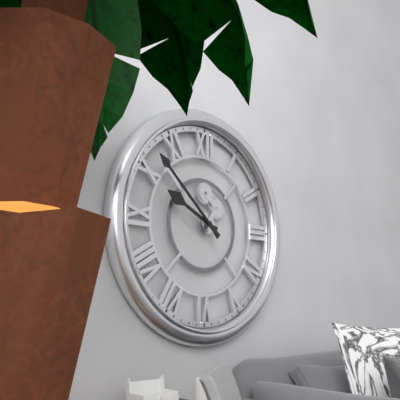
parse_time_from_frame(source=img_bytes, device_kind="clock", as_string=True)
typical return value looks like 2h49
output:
9h52
